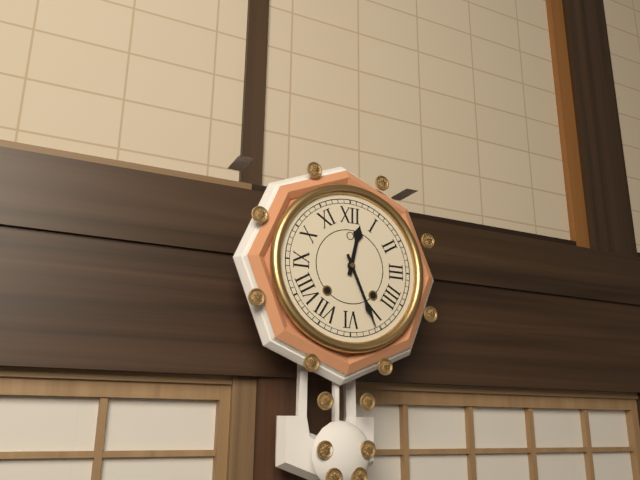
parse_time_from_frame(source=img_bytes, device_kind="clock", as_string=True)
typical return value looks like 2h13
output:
12h26
